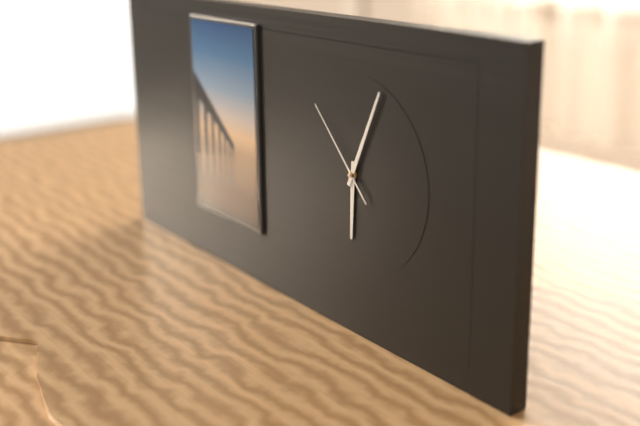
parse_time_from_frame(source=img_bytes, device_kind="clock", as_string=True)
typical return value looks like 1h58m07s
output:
6h04m53s
